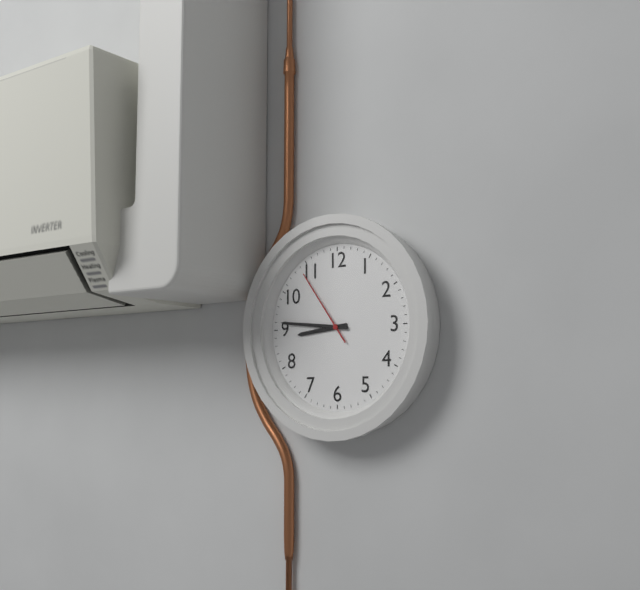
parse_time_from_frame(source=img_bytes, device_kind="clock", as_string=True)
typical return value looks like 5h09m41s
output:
8h46m54s
